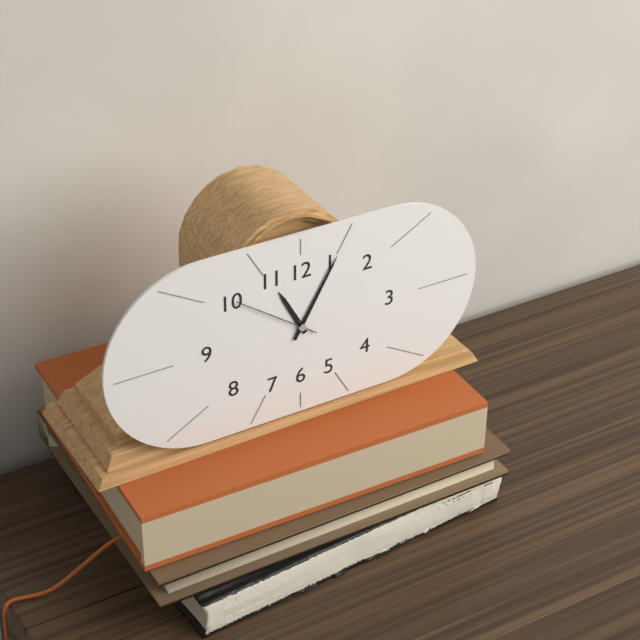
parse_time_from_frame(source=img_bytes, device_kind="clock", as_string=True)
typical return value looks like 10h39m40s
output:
11h05m51s
